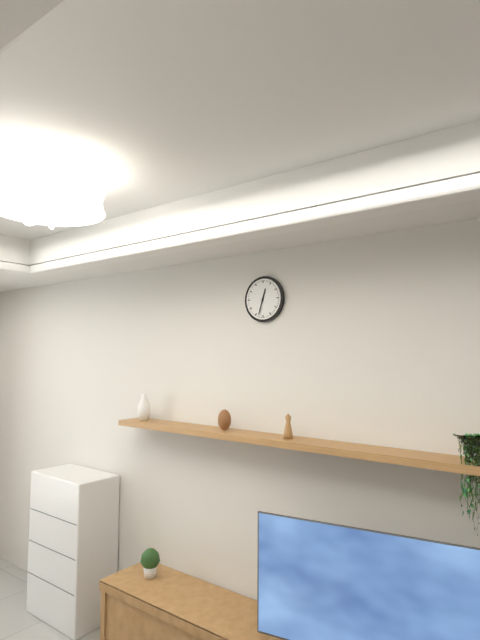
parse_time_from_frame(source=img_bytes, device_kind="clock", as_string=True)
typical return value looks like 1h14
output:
12h33
